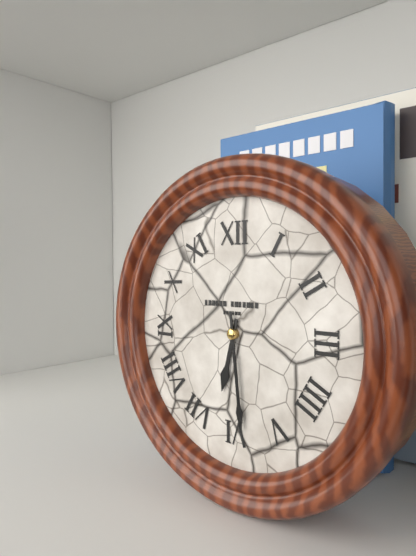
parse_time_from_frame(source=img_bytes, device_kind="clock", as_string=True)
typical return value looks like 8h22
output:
6h29
